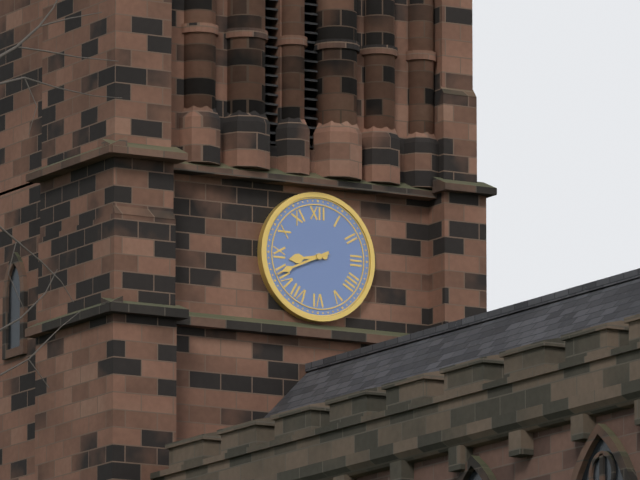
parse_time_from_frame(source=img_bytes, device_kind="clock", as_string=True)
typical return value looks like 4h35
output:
8h41
